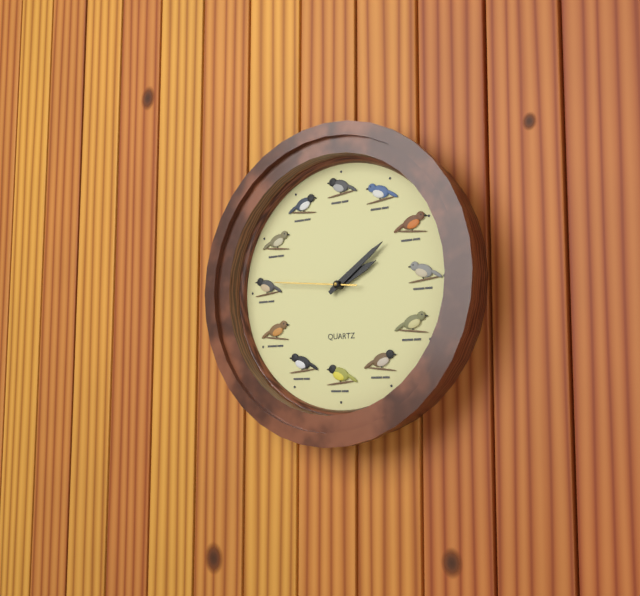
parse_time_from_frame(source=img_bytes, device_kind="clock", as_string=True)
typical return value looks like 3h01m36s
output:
2h09m46s
